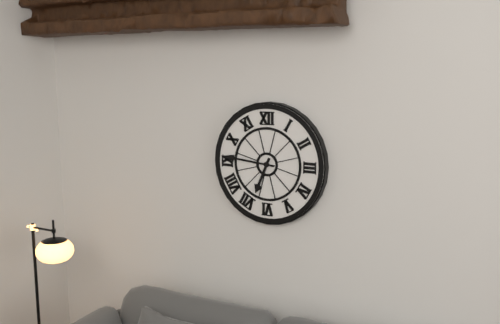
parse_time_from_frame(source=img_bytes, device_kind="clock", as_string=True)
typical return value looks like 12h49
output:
6h46
